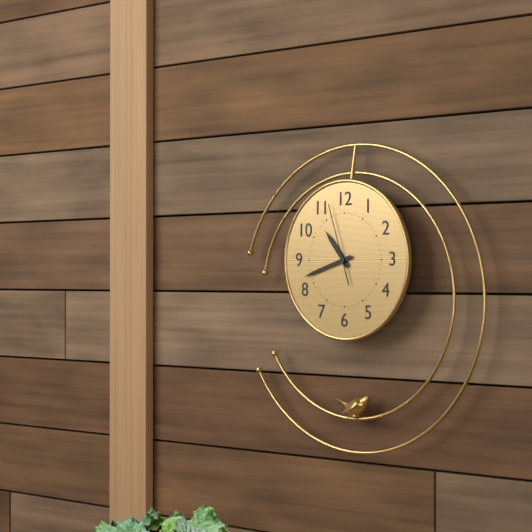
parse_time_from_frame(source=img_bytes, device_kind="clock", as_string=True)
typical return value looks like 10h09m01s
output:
10h42m57s
